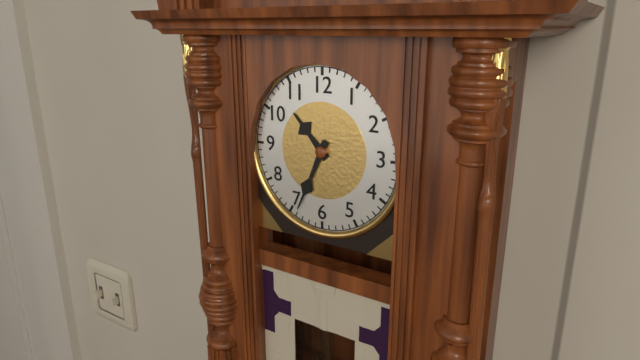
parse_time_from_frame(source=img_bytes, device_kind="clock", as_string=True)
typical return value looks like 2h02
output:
10h34
